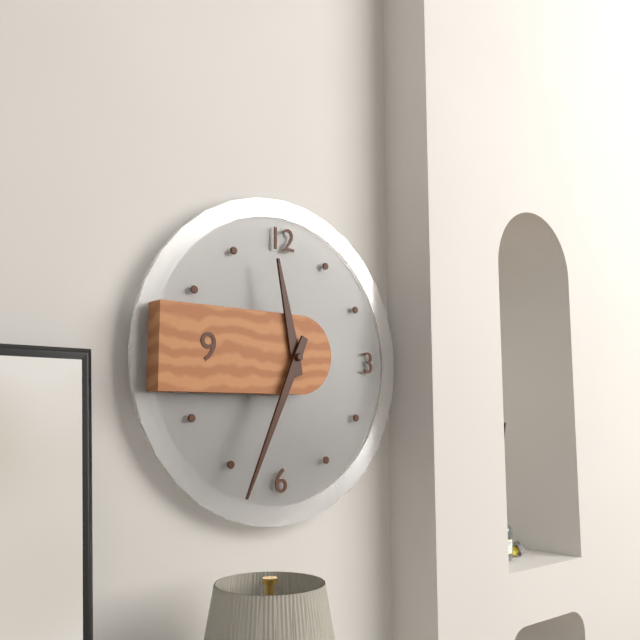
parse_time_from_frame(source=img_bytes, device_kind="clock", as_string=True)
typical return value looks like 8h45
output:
11h34
